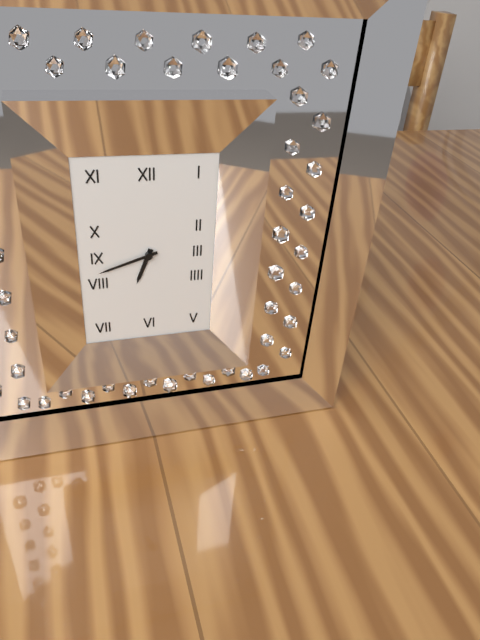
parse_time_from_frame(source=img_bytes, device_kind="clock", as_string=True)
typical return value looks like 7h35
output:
6h42
